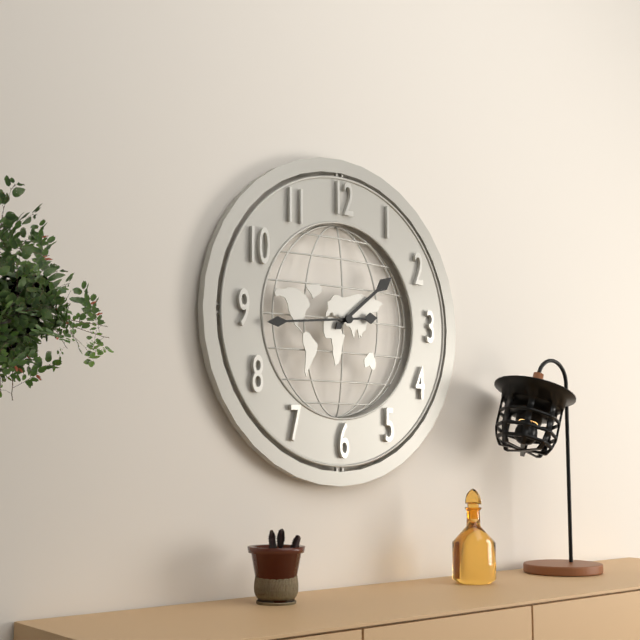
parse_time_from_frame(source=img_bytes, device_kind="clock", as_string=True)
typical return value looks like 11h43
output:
1h44
